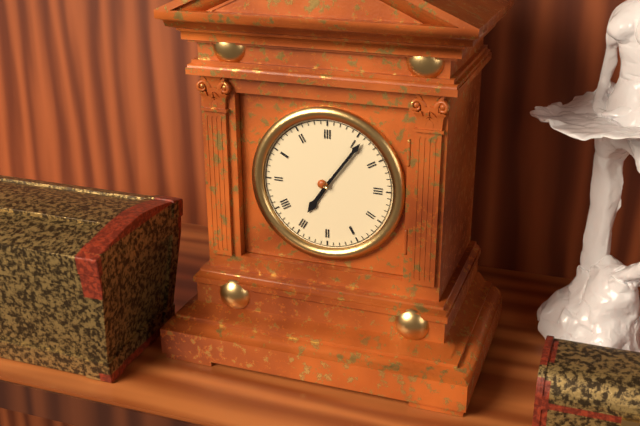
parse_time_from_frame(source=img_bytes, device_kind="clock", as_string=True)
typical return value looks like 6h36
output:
7h06
